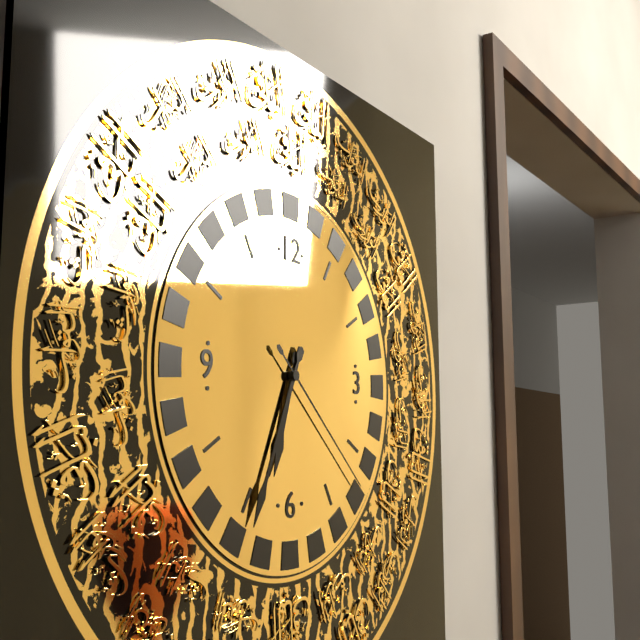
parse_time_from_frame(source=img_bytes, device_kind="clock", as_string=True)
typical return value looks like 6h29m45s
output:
6h34m22s
